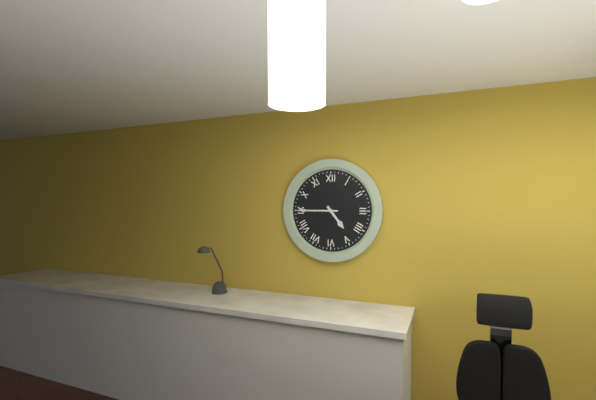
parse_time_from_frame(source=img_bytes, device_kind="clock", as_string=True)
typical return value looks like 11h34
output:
4h45
